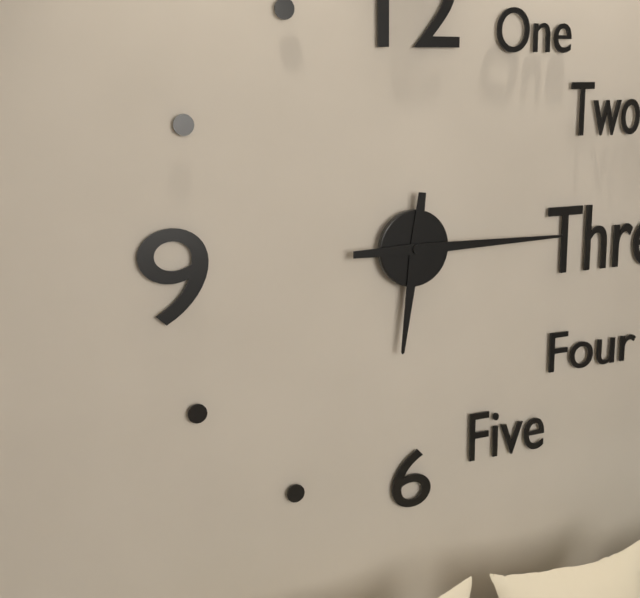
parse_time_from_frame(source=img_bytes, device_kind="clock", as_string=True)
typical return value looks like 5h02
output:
6h15
